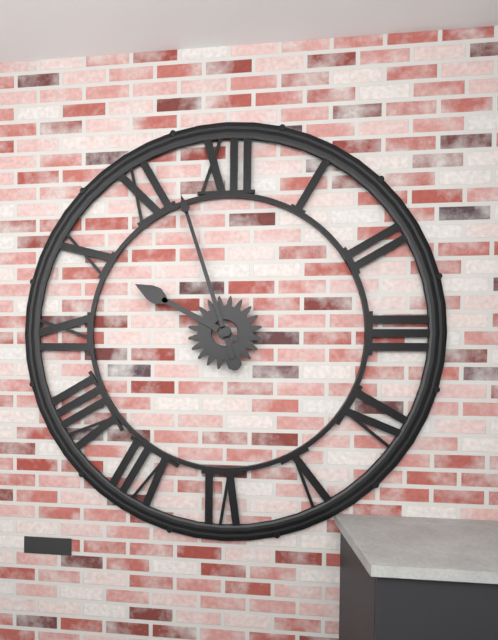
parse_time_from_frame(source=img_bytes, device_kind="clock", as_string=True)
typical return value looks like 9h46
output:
9h57
